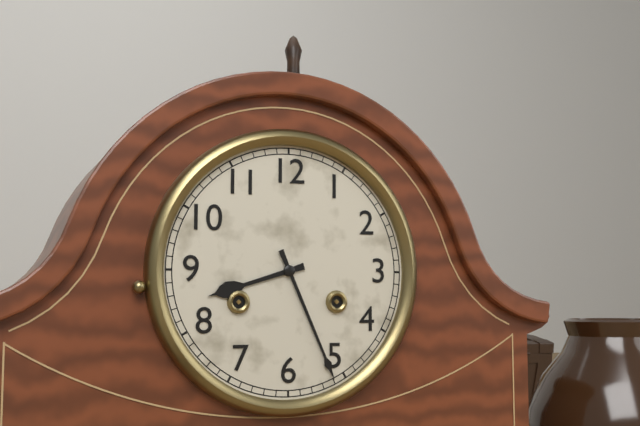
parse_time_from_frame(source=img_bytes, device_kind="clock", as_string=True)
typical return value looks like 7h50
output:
8h26
